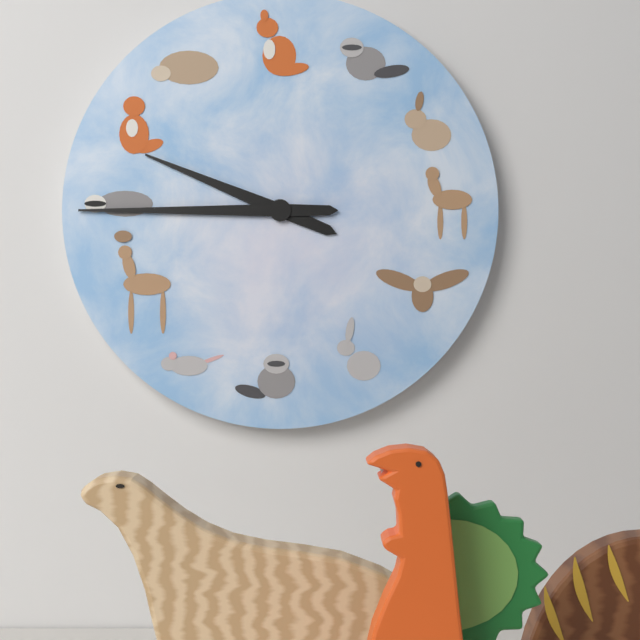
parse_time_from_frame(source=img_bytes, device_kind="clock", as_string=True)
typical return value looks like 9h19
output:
9h45
